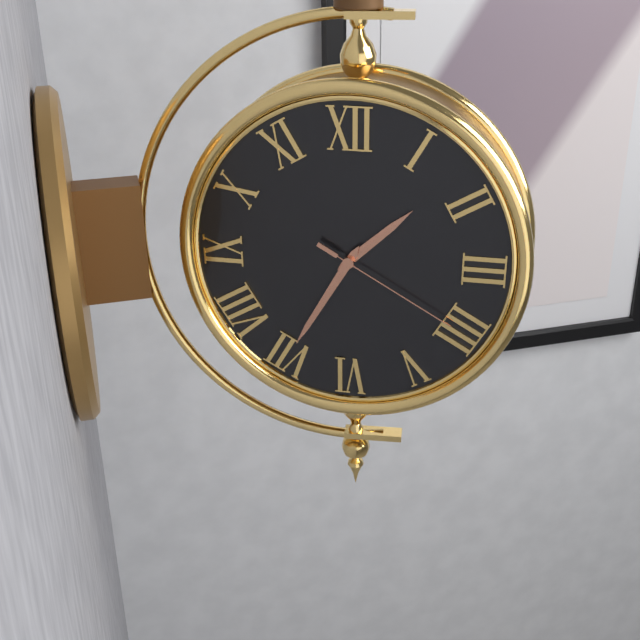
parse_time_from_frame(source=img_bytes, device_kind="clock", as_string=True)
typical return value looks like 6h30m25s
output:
1h35m20s
